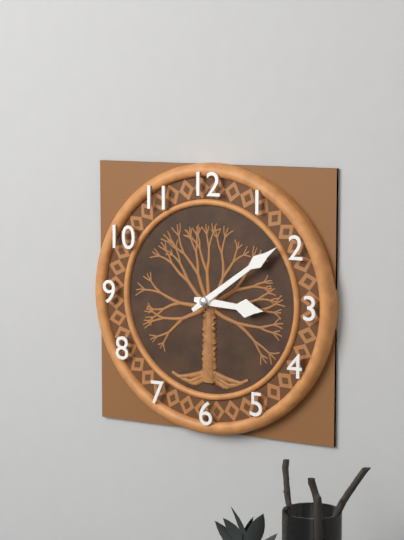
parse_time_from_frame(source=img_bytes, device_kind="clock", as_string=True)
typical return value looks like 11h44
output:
3h09
